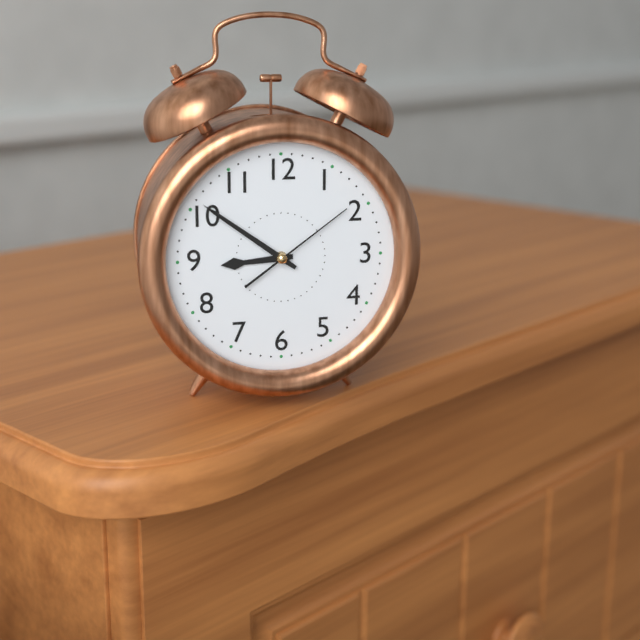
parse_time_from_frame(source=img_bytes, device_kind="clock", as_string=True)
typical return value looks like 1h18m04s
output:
8h51m09s
